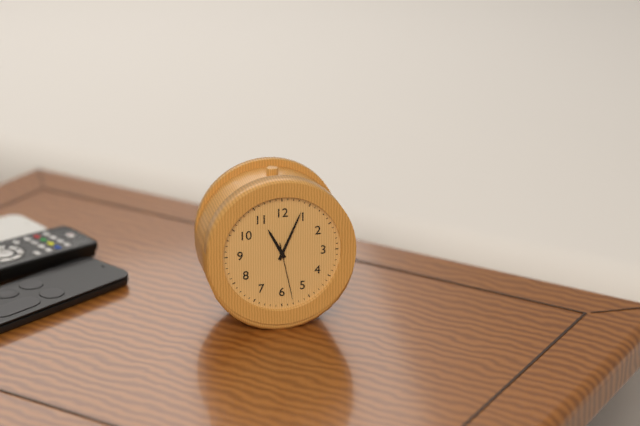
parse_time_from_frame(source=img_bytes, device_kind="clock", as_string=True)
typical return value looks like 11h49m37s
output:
11h04m28s
